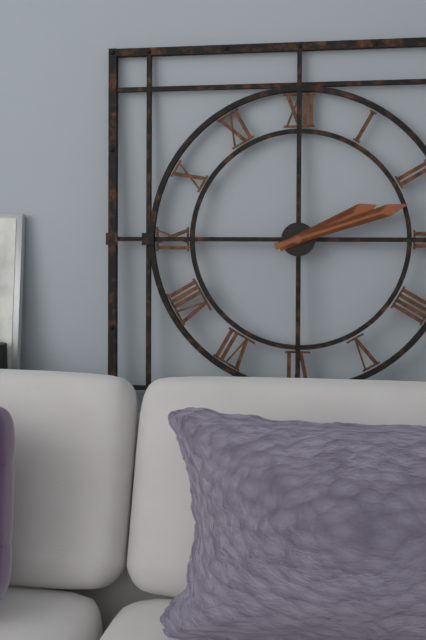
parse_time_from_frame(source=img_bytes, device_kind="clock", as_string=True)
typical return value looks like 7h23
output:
2h12
